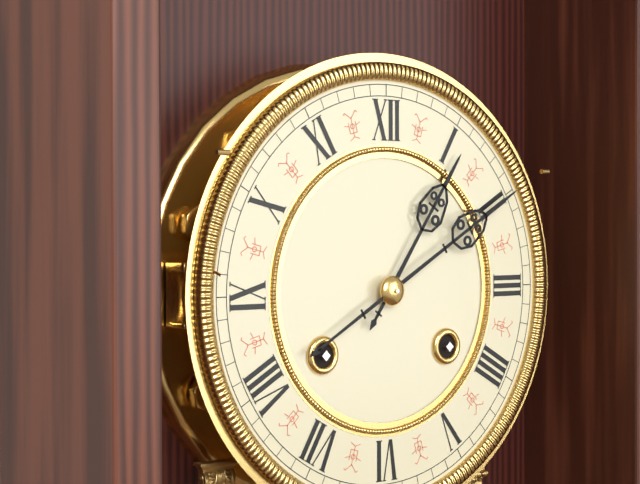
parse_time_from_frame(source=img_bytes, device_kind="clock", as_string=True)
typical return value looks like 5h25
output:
1h10
